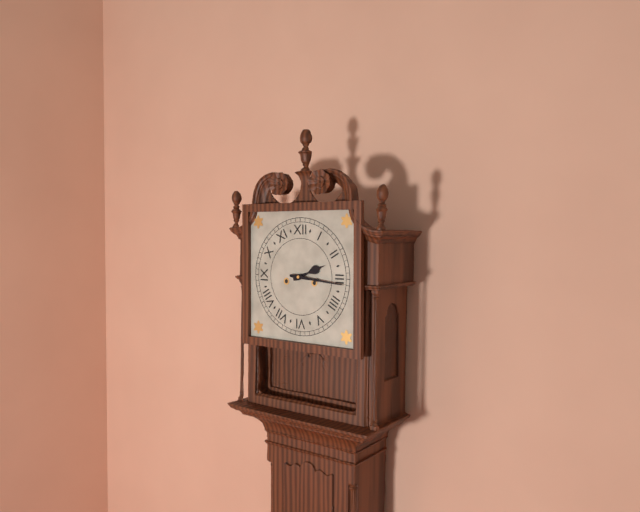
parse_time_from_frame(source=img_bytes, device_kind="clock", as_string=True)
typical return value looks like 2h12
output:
2h16
